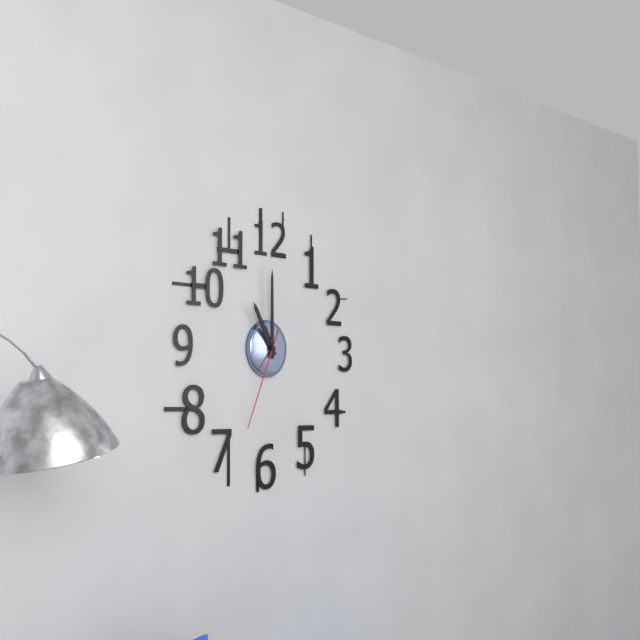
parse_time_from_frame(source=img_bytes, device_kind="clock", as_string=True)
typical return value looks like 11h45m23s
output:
11h00m34s
